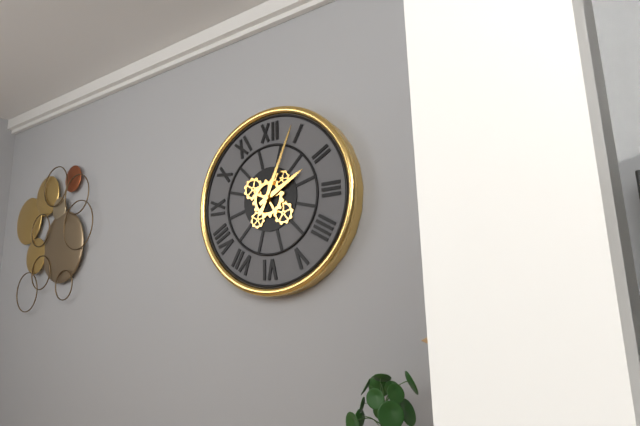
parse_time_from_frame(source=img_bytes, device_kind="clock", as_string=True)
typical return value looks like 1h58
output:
2h04
